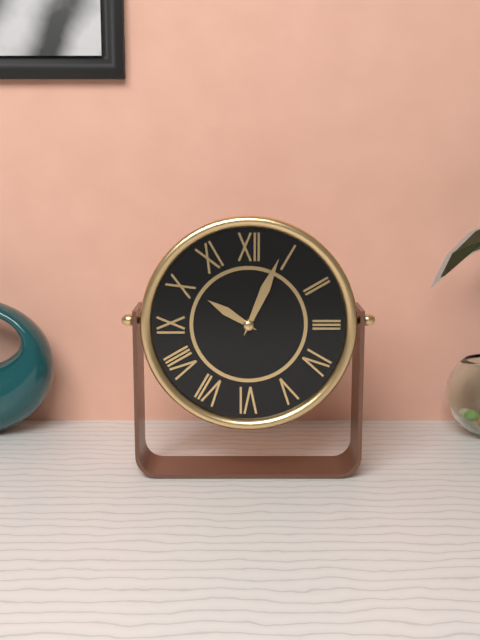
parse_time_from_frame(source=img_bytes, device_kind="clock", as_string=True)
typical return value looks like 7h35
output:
10h04
